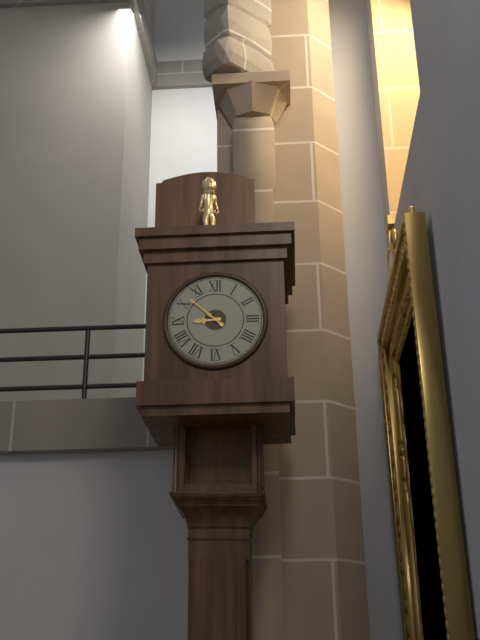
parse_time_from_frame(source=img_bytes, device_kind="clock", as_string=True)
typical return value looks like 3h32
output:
8h52
